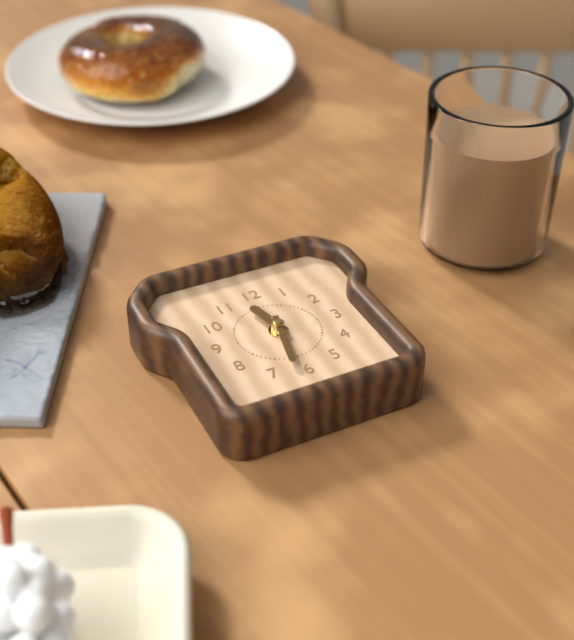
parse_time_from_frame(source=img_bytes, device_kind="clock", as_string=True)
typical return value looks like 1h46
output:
11h32
